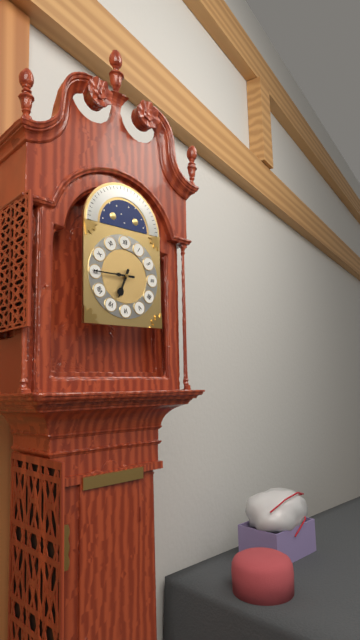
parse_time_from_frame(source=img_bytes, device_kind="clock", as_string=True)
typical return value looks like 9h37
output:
6h45
